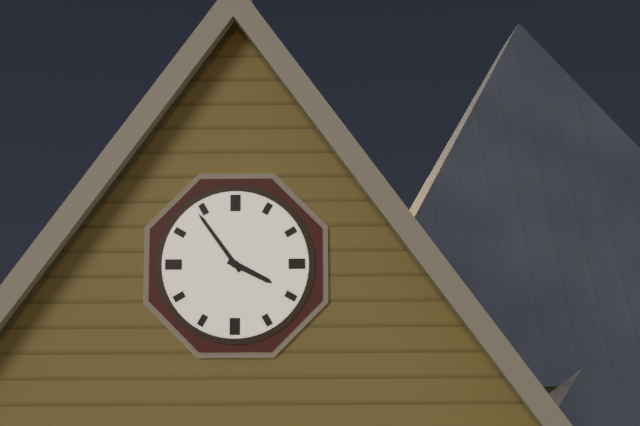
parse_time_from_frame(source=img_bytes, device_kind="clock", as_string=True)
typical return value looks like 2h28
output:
3h54
